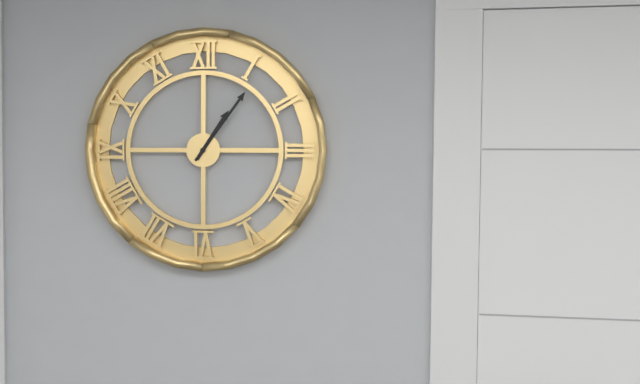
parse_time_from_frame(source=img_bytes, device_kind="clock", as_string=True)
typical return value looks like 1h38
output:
1h06
